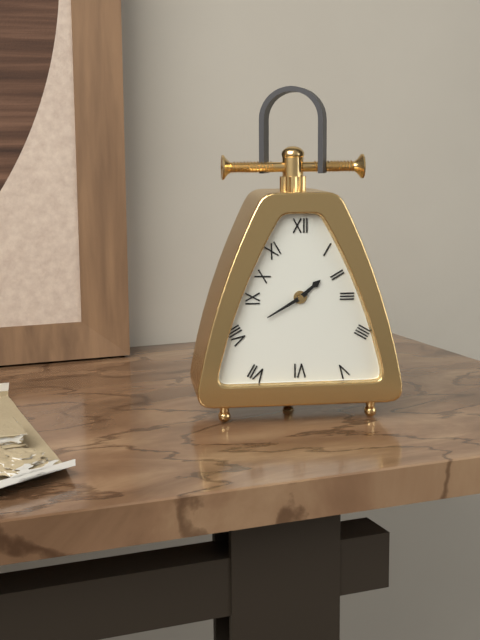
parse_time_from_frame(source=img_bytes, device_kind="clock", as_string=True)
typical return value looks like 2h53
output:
1h40
